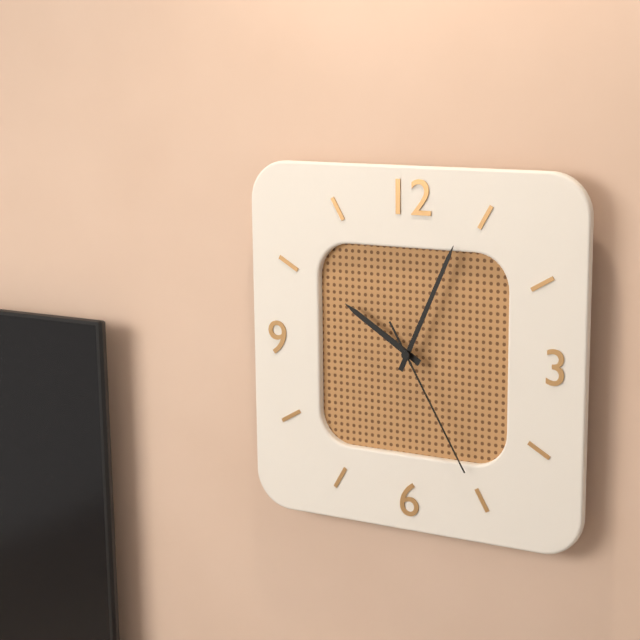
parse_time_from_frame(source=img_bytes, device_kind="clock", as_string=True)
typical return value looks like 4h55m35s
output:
10h04m25s
